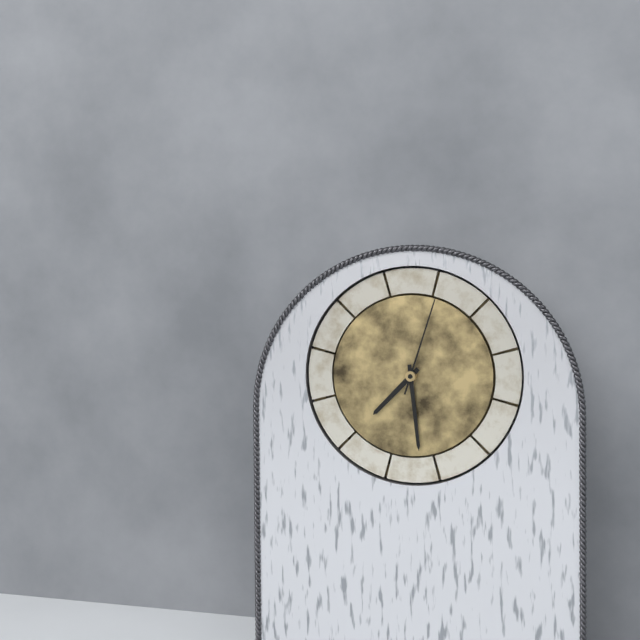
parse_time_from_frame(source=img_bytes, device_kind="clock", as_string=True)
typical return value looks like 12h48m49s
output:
7h29m03s
